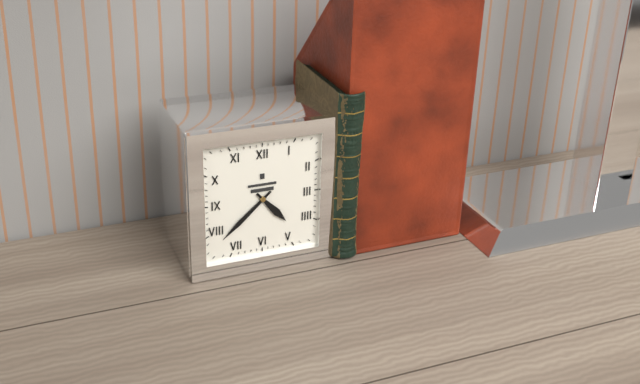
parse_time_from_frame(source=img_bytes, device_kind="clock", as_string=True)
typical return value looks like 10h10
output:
4h38
